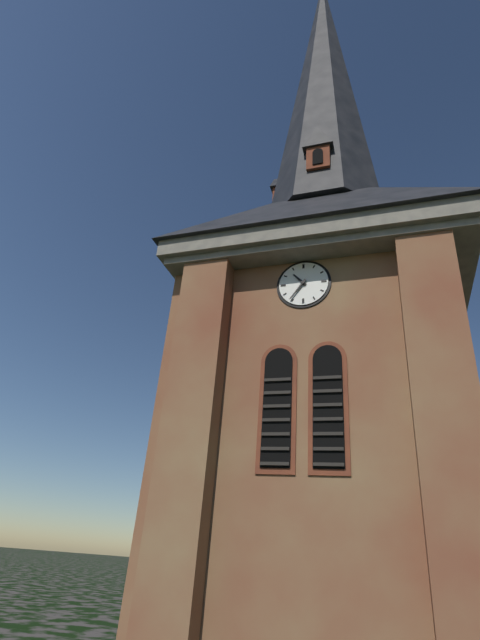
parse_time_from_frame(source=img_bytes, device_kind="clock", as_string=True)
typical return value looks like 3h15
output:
10h36
